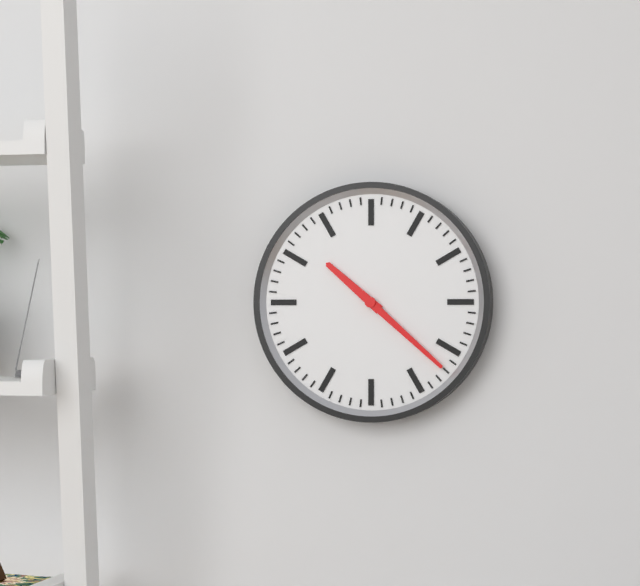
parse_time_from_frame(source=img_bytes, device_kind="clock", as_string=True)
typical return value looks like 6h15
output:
10h22
